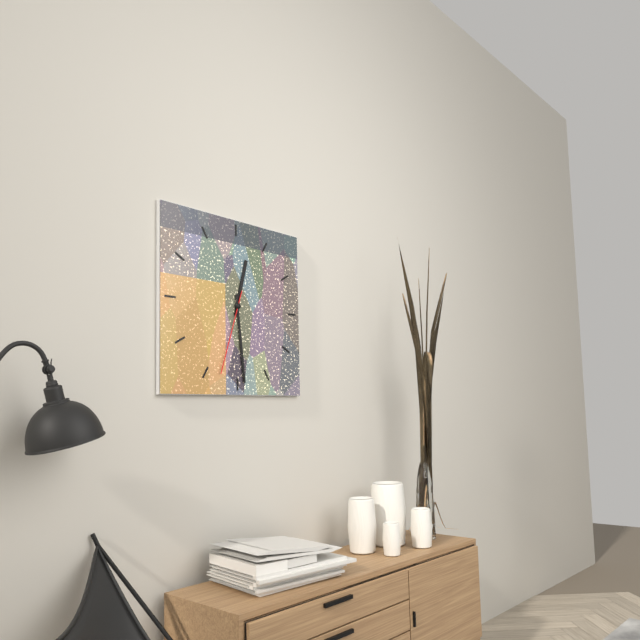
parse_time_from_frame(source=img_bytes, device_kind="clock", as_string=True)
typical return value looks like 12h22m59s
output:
12h29m33s
